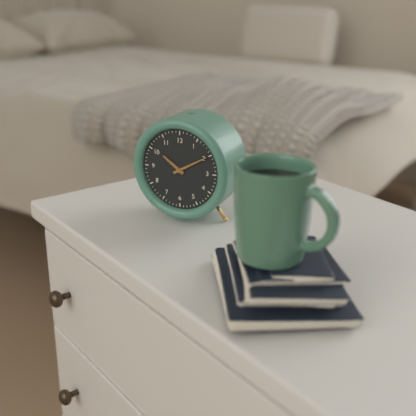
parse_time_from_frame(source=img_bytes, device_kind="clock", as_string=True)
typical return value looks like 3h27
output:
10h10
